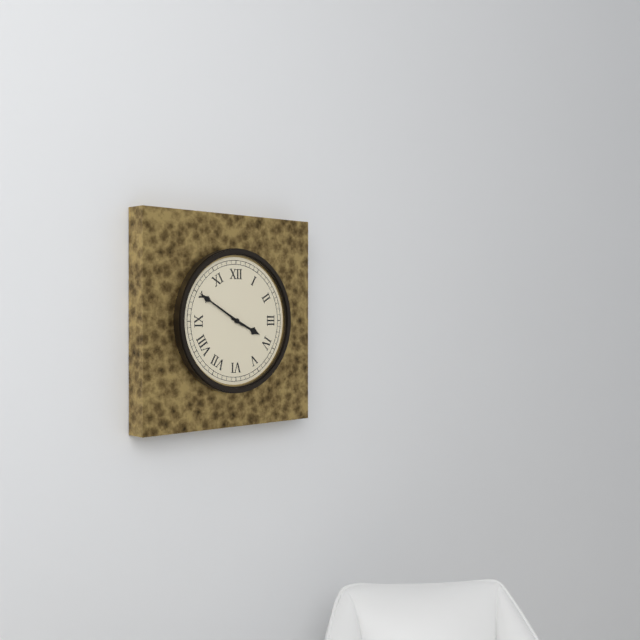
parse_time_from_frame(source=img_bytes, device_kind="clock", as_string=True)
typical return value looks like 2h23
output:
3h50
